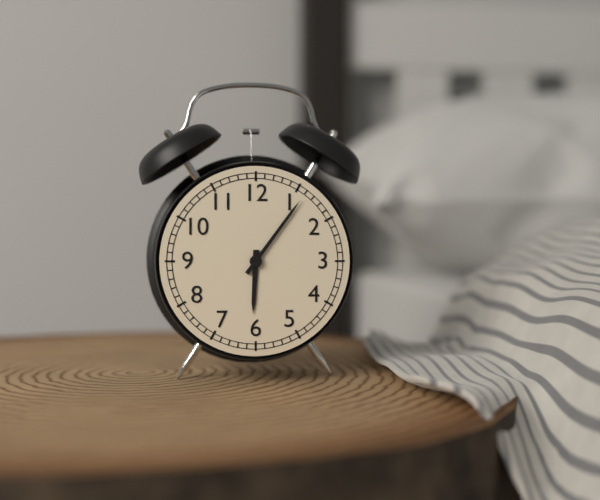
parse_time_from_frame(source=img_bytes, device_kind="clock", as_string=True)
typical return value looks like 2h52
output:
6h06
